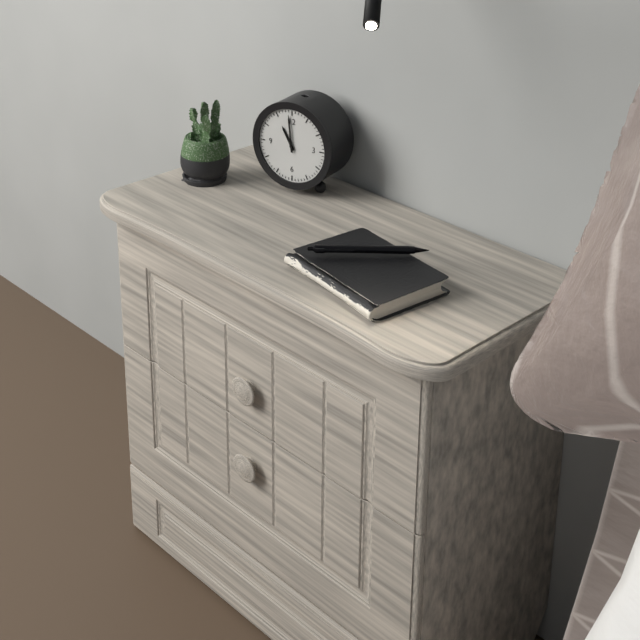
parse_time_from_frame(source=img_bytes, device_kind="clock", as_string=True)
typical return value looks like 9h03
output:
10h59
